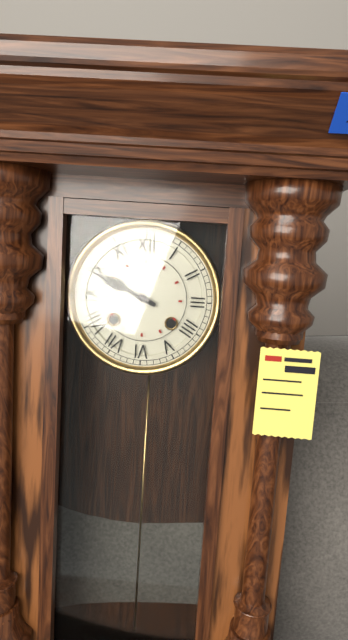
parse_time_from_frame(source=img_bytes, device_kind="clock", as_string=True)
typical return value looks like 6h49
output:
9h49
